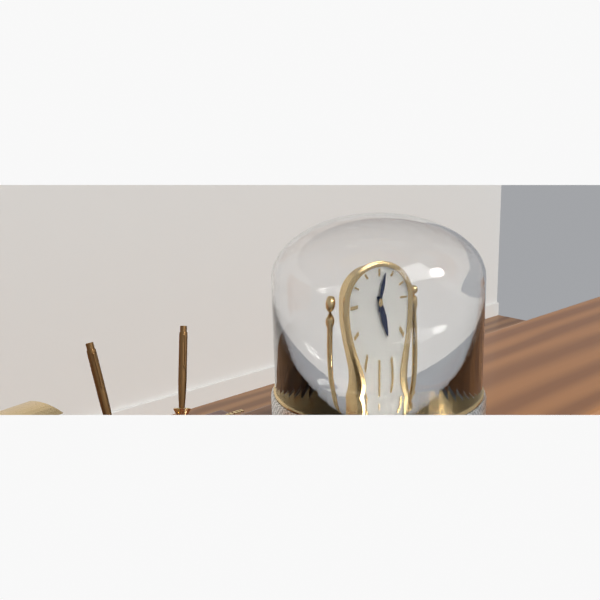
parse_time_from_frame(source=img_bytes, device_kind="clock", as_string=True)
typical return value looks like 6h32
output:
5h02
